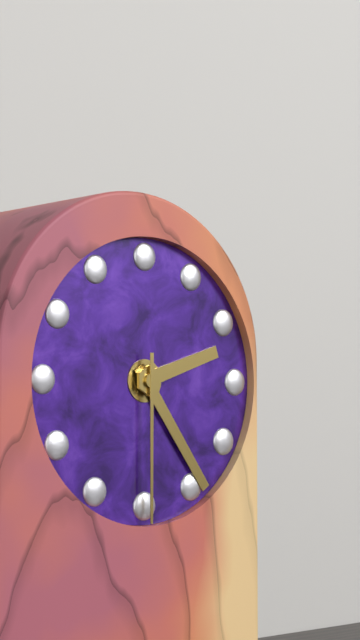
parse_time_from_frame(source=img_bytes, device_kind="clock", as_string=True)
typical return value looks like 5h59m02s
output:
2h24m30s
